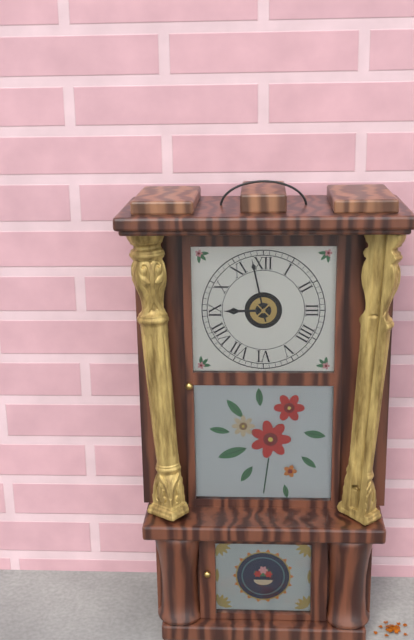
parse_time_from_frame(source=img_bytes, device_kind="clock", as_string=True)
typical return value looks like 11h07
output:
8h58
